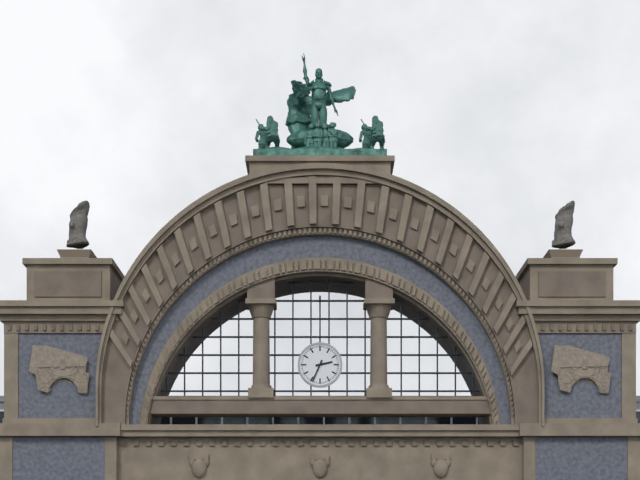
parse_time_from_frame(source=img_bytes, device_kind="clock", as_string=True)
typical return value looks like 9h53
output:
2h34
